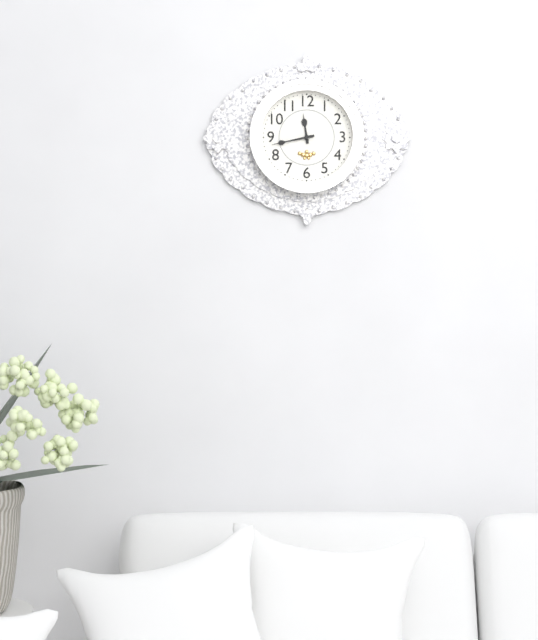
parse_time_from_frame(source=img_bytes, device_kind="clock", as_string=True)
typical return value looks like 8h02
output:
11h43
